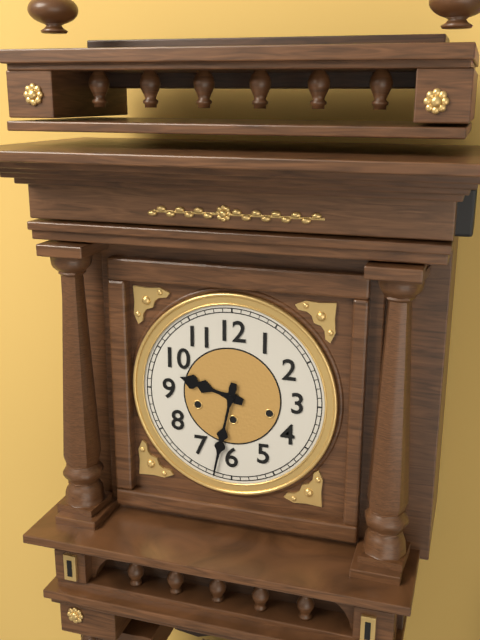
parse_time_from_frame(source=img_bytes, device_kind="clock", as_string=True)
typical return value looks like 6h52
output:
9h32
